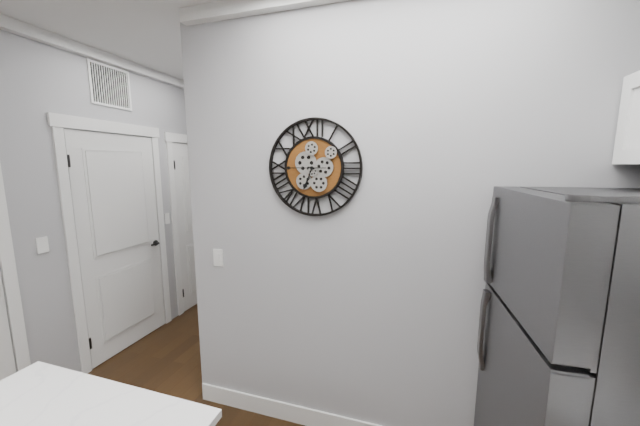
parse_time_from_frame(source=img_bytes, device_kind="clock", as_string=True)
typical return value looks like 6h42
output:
6h45
